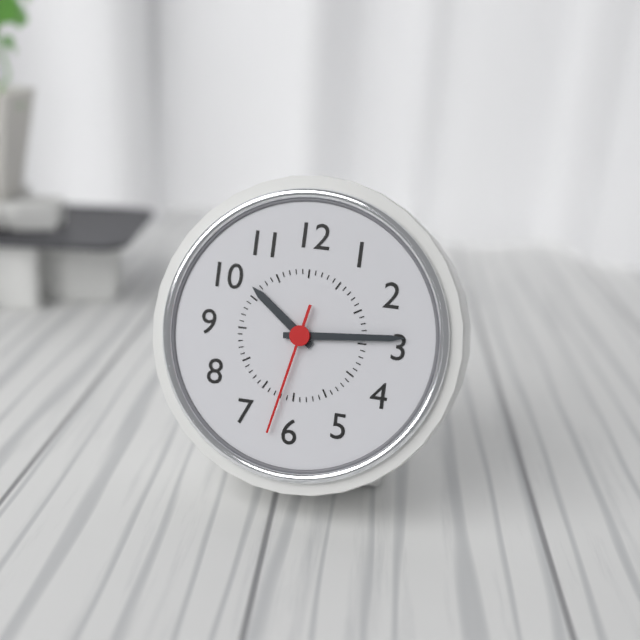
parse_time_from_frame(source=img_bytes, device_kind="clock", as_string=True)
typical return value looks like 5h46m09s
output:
10h14m32s
